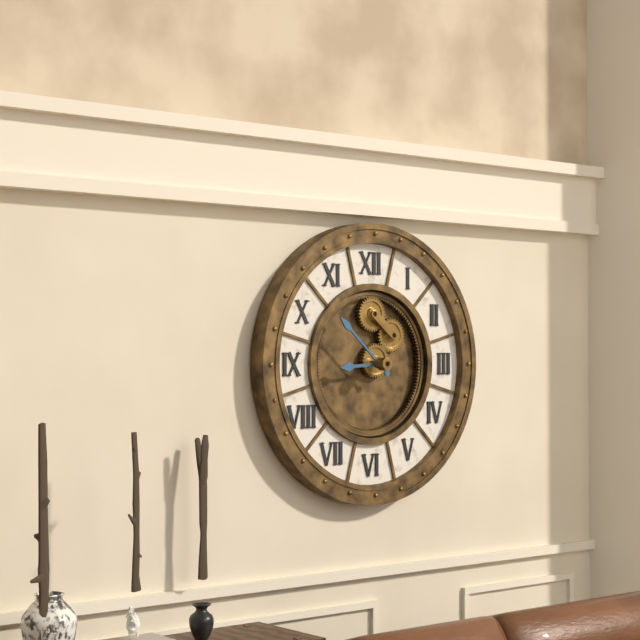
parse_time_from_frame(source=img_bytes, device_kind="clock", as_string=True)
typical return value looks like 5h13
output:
8h52
